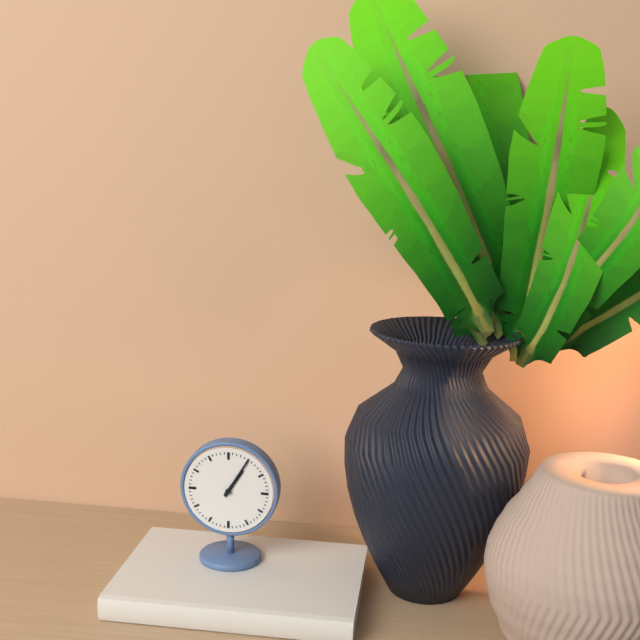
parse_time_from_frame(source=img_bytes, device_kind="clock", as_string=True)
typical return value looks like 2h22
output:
1h05
